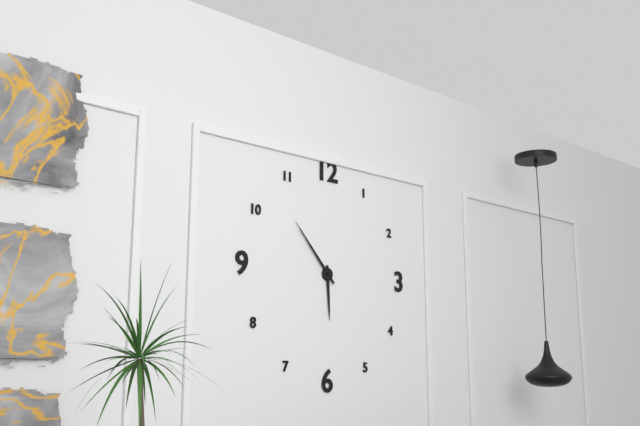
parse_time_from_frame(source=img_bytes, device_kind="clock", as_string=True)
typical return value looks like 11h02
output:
5h53
